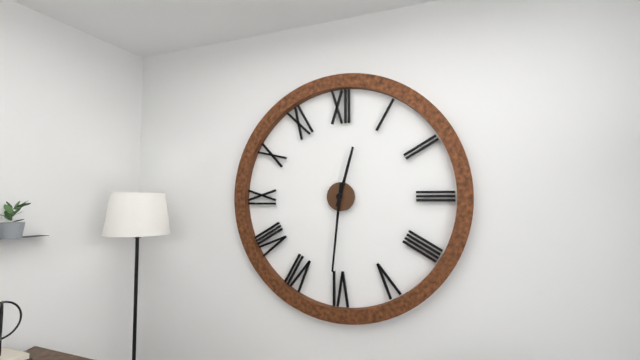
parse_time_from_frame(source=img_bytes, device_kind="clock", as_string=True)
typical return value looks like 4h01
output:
12h31
